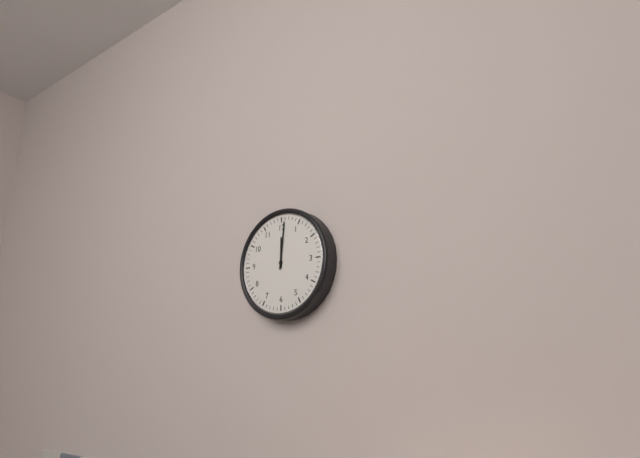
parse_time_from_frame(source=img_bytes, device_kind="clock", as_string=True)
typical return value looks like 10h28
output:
12h01
